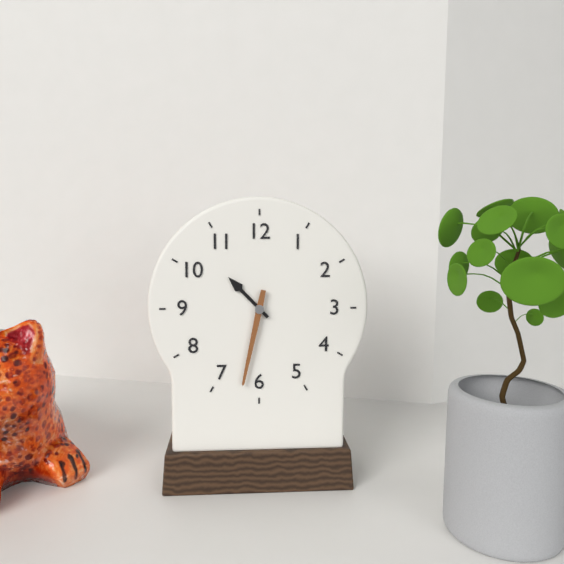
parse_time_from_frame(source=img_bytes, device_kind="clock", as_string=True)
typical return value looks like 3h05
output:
10h32
